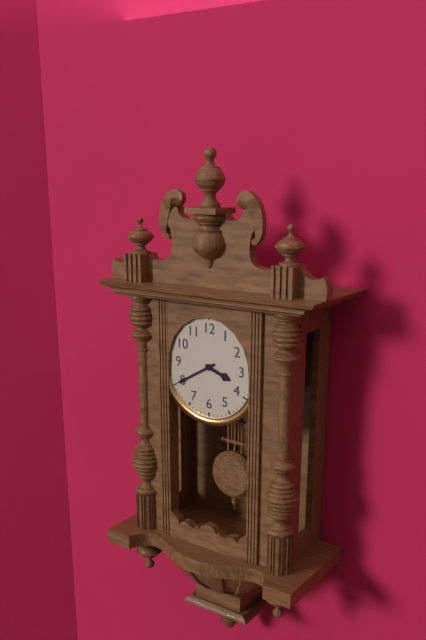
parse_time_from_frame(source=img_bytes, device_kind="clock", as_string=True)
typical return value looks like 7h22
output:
3h40
